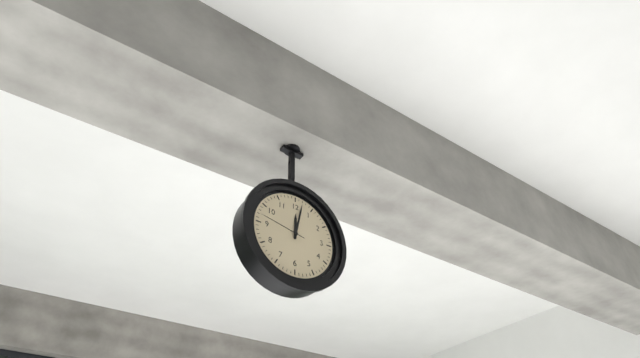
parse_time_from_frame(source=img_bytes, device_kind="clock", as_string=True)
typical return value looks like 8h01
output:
12h02
